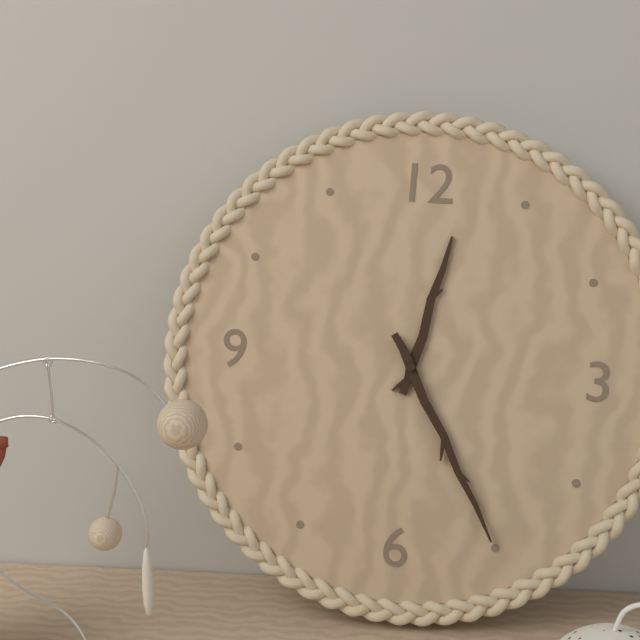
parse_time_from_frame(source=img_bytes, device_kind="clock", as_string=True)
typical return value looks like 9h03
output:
12h25
